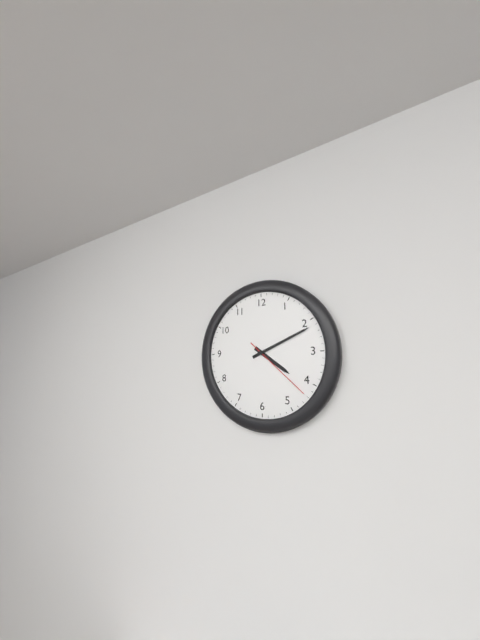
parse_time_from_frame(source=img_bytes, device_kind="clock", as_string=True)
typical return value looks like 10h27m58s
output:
4h11m22s
